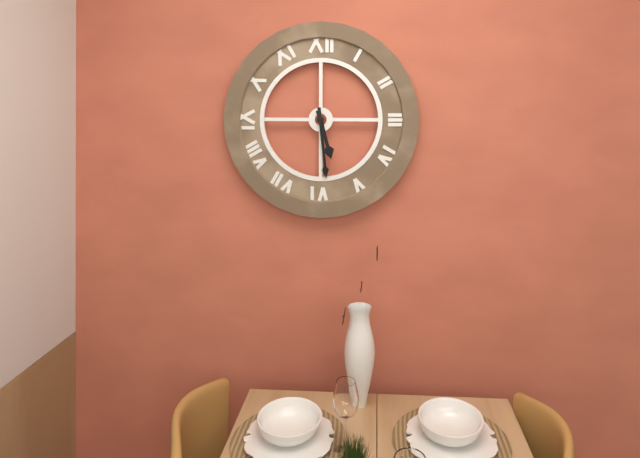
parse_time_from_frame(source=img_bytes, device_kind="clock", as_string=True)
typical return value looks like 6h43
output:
5h29
